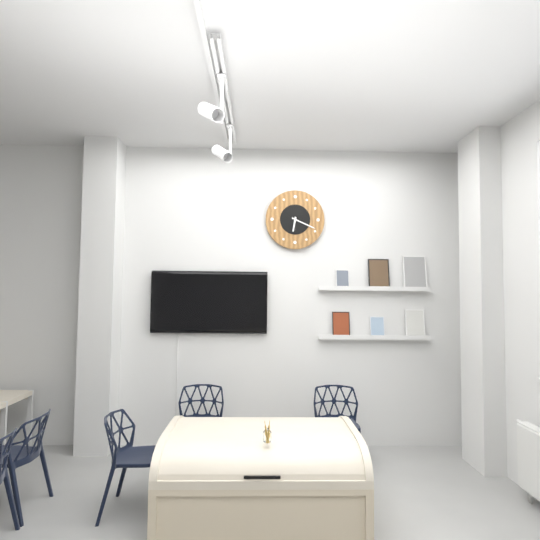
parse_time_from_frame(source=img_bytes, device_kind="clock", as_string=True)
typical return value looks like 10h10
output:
6h19
